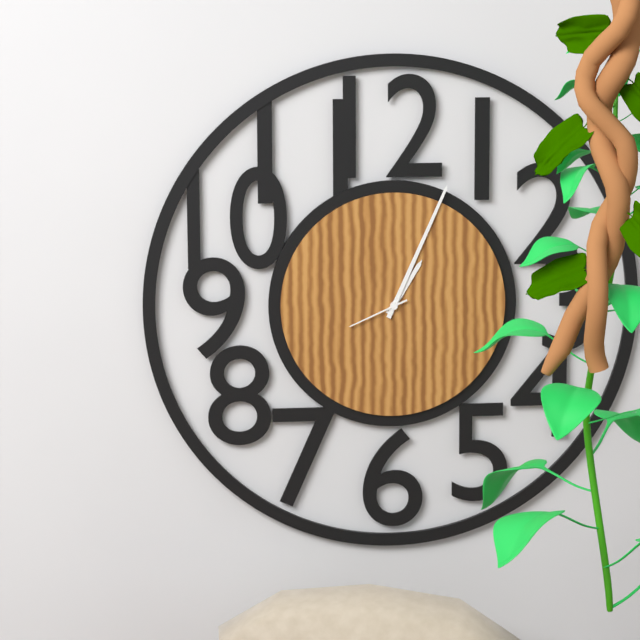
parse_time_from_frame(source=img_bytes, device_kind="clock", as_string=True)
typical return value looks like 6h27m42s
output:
1h04m41s
